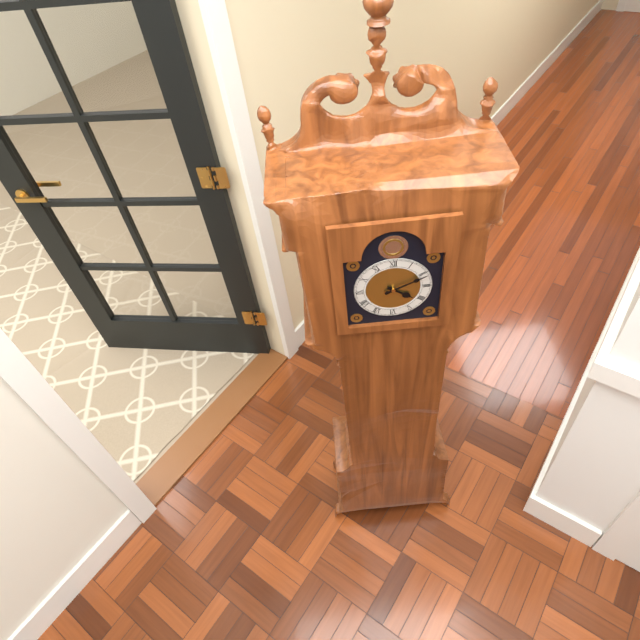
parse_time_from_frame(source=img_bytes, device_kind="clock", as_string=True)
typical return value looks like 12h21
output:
4h11
